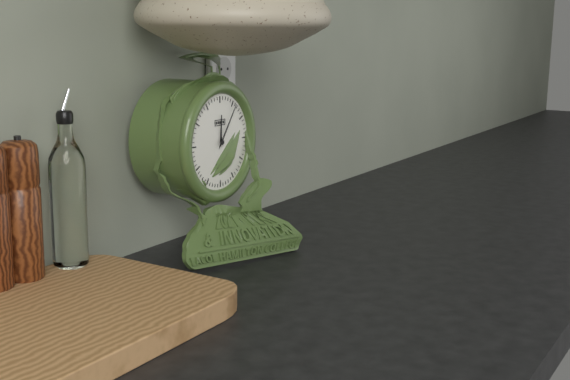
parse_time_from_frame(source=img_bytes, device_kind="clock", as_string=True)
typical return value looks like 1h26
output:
12h06
